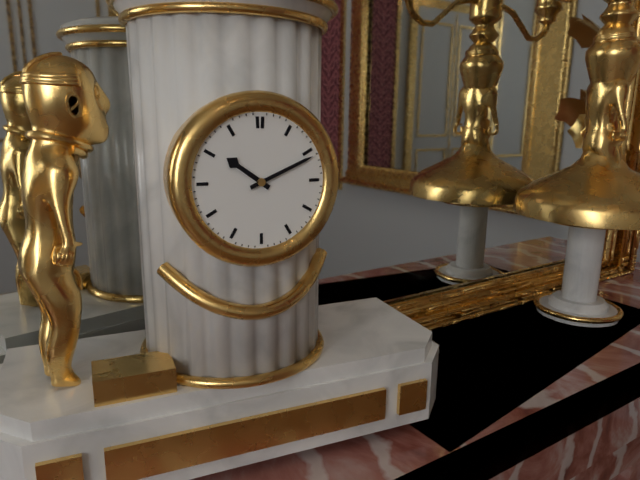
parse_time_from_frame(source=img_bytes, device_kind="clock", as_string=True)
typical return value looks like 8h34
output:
10h11
